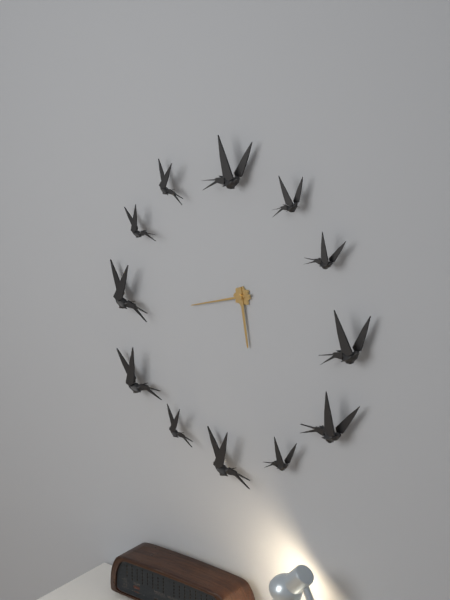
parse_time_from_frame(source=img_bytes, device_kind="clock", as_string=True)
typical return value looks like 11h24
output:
5h42
